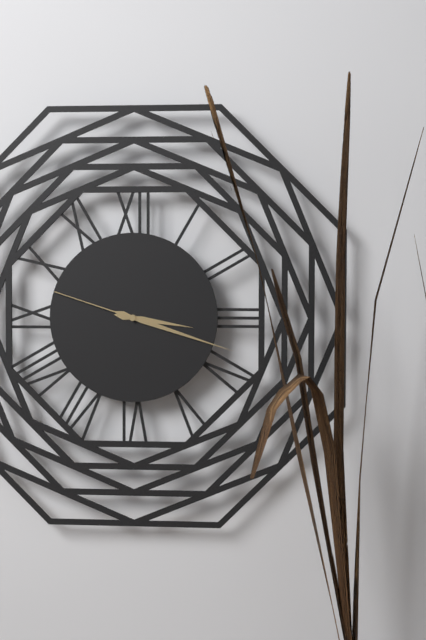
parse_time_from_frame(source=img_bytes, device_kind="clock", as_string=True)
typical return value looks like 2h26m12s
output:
3h18m48s
